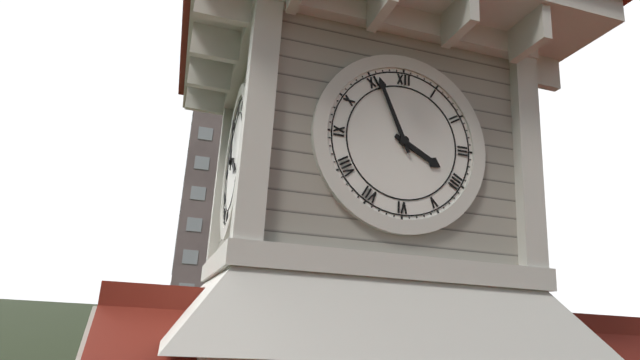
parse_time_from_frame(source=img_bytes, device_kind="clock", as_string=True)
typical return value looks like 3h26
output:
3h56
